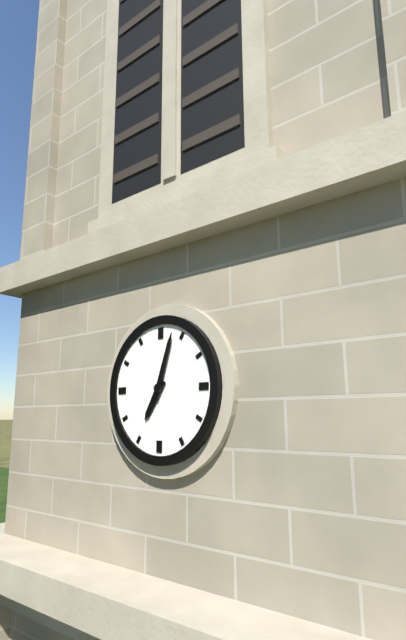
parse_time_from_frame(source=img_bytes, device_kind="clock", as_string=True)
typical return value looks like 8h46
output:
7h03
